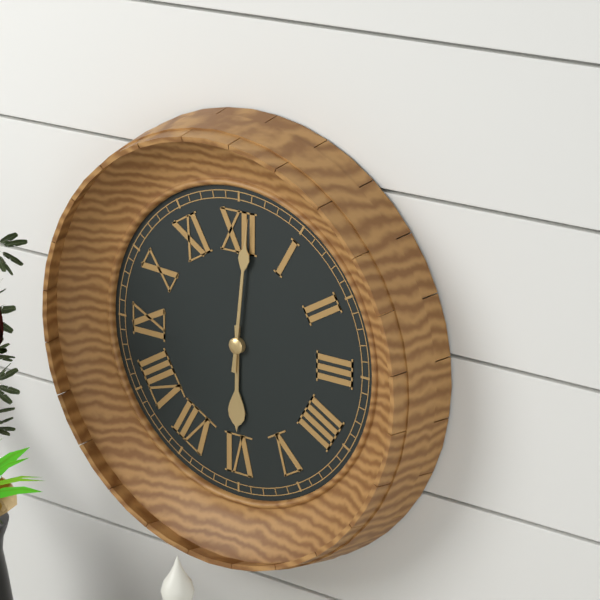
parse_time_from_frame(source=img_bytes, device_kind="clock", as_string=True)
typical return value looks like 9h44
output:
6h01
